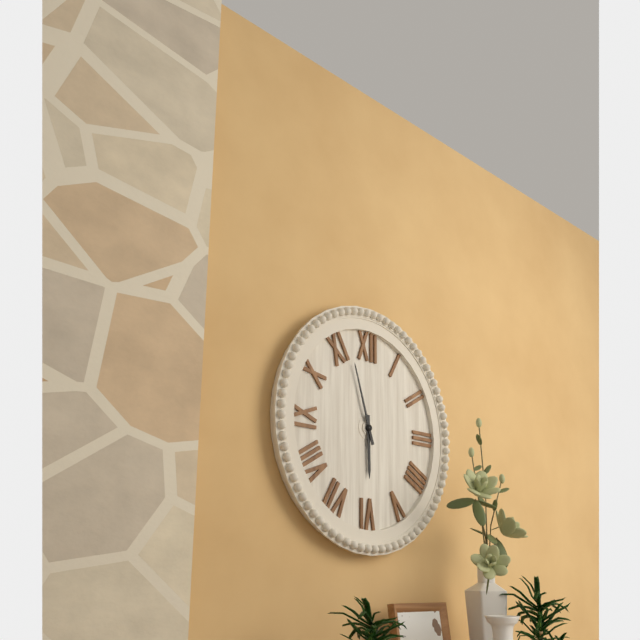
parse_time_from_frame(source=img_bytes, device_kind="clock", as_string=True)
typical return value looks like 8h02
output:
5h57
